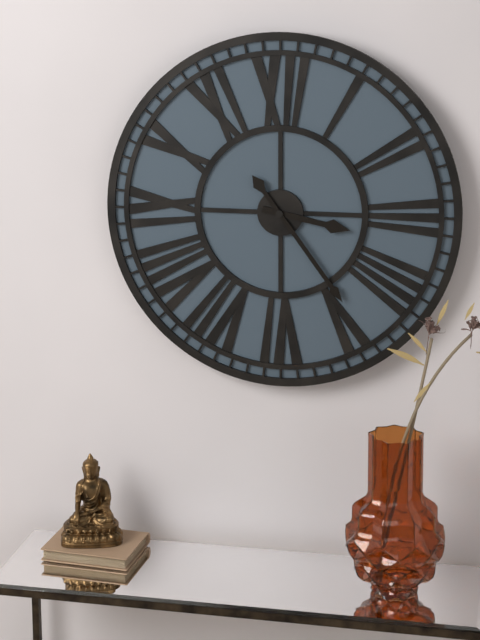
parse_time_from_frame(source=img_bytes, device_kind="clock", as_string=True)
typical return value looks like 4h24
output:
3h24
